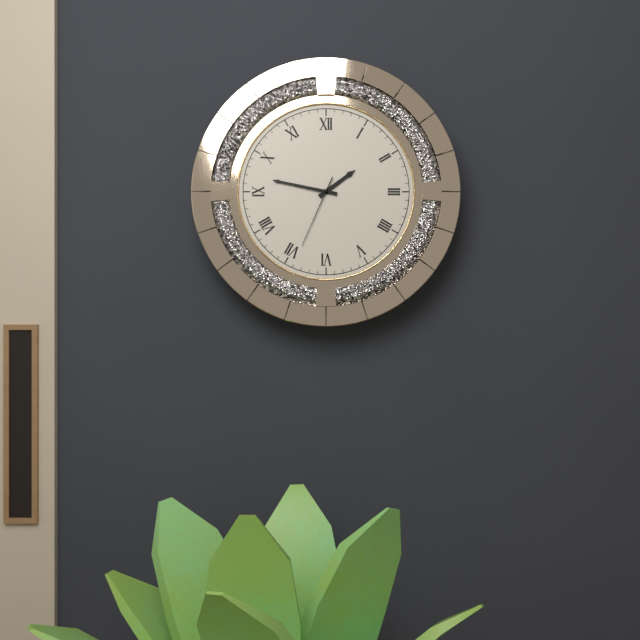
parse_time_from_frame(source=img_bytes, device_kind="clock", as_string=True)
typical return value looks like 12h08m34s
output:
1h47m34s
